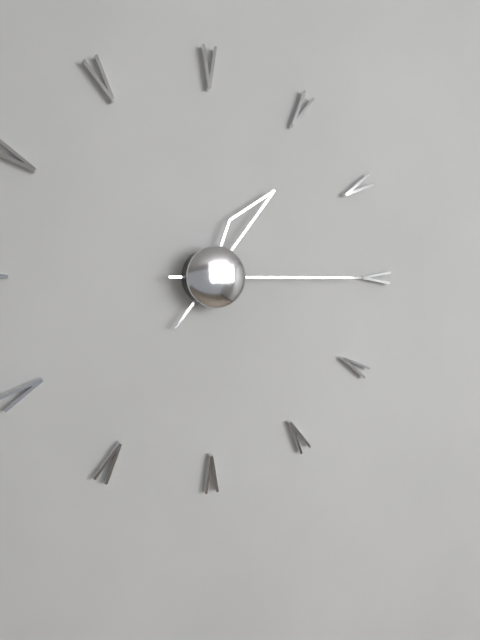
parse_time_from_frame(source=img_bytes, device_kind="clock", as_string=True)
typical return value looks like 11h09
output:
1h15
